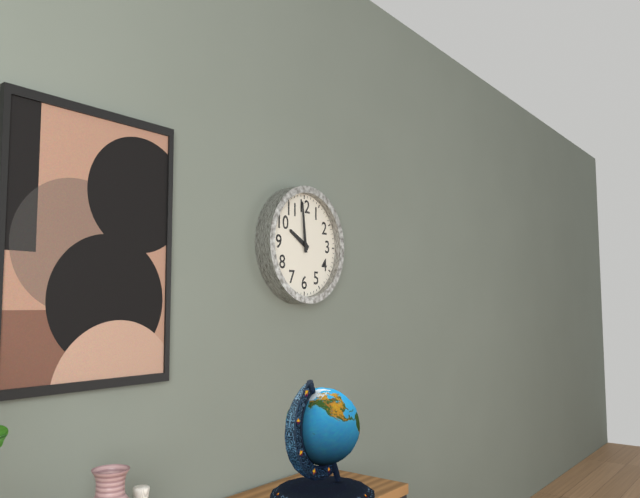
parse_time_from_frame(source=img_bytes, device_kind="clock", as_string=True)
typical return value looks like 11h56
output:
9h59
